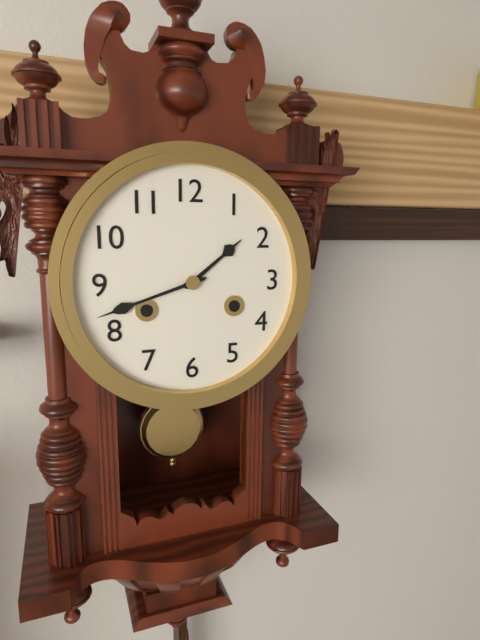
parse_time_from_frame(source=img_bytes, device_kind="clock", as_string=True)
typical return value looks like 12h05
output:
1h42
